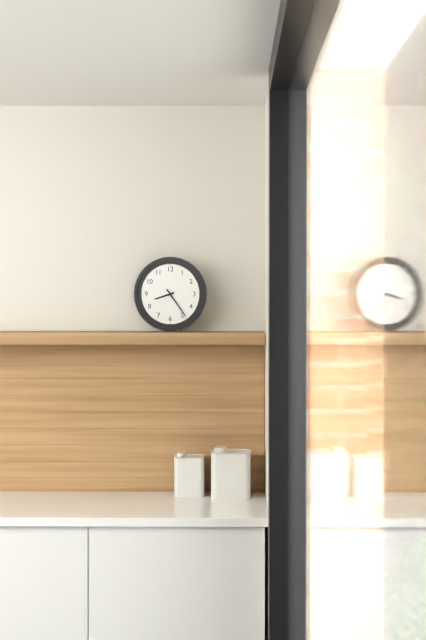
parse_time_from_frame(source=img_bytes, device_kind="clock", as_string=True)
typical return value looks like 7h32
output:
8h24
